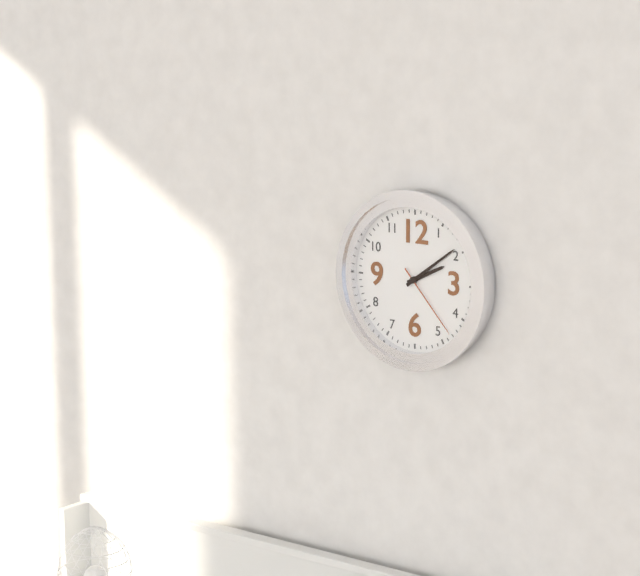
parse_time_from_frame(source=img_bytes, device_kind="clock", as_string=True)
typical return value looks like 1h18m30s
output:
2h09m23s
